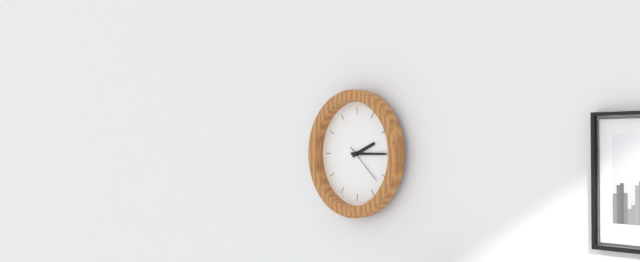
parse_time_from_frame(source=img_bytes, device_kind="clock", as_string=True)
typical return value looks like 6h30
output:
2h15
